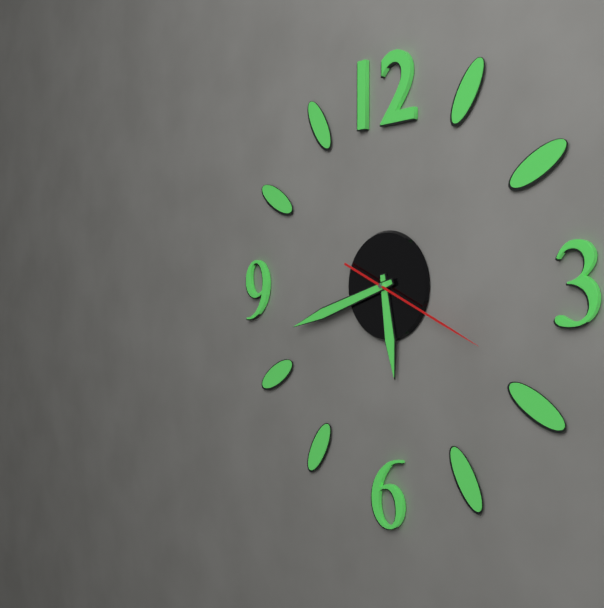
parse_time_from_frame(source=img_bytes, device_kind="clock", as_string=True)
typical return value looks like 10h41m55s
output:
5h42m19s
